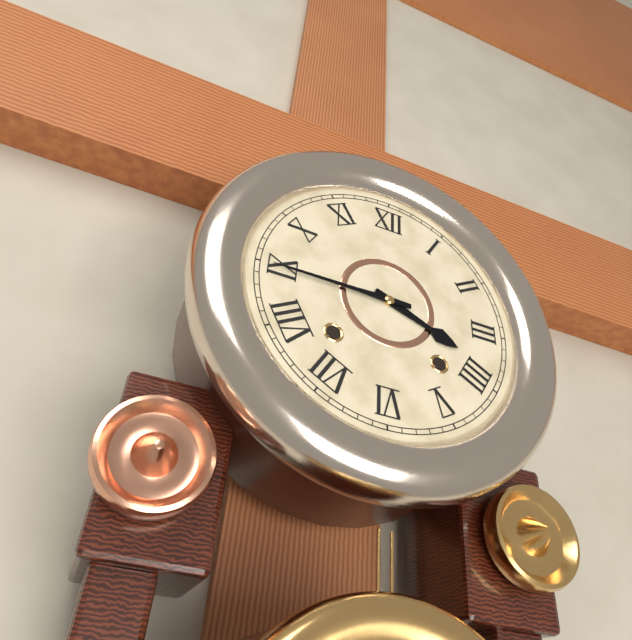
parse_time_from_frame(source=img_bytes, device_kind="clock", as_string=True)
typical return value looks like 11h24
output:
3h45
